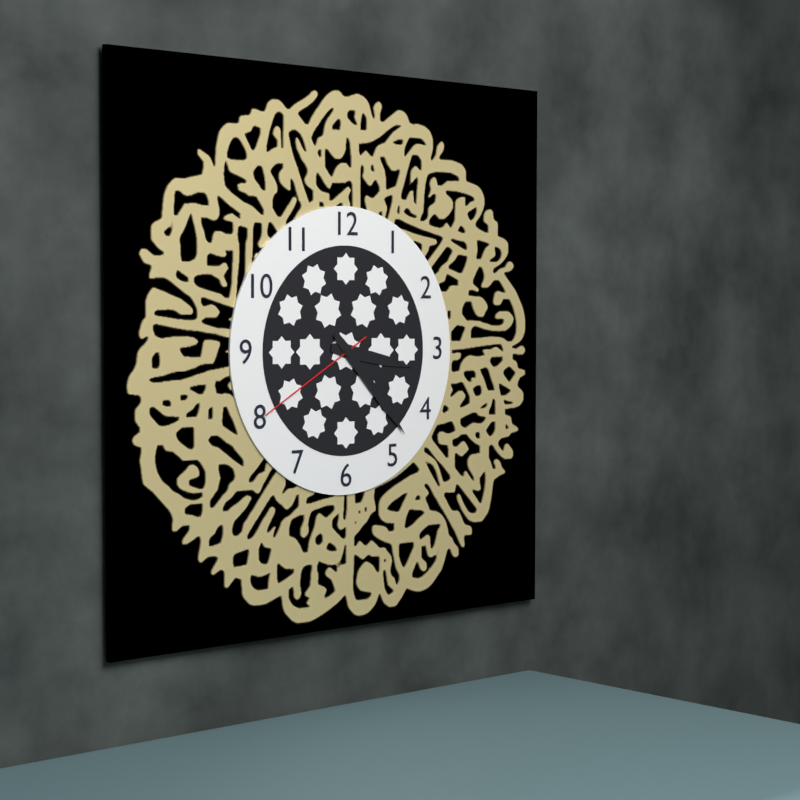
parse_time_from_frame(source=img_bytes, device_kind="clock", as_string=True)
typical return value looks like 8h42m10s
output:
3h23m40s
